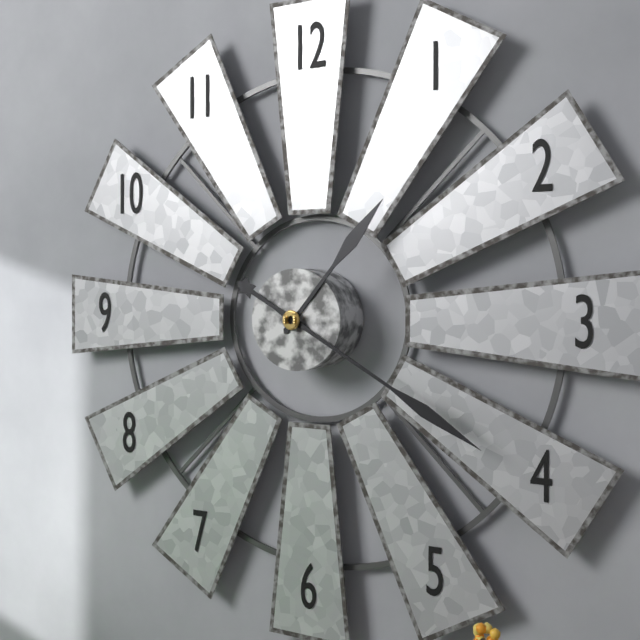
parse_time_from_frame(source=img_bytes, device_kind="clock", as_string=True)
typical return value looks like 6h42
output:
1h20
